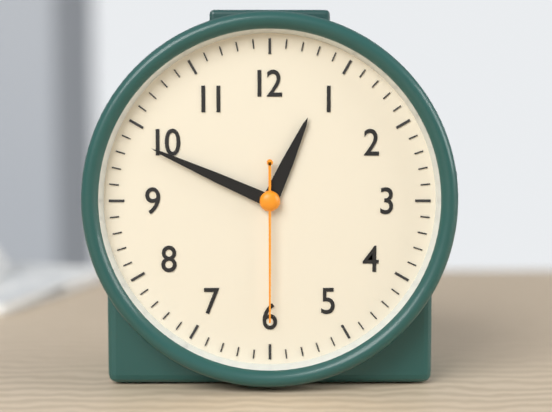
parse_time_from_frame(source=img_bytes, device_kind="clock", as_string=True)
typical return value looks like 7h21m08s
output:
12h49m30s
